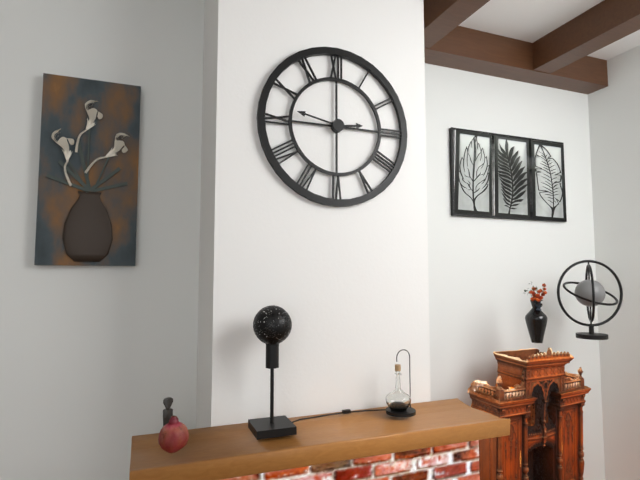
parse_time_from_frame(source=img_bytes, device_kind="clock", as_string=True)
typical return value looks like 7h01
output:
2h47
